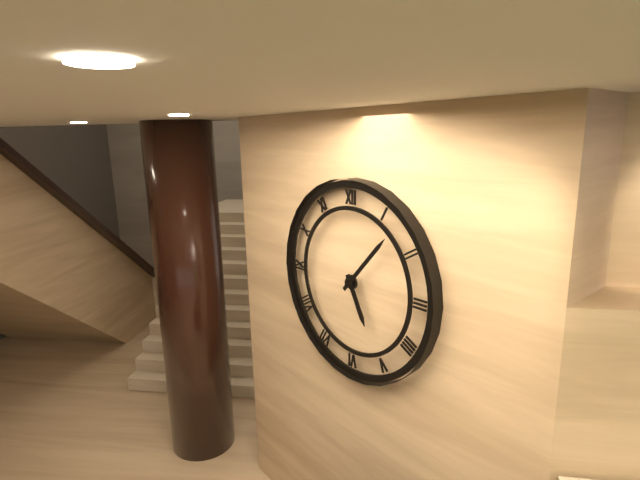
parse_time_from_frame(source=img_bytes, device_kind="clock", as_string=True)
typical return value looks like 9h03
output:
5h07
